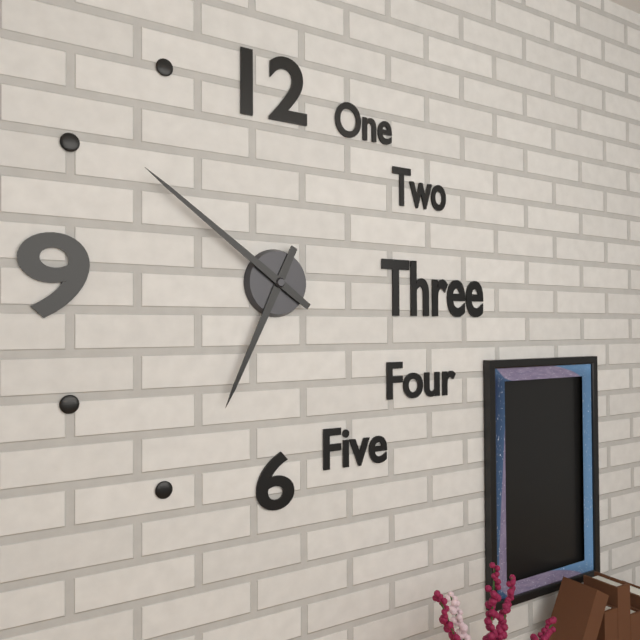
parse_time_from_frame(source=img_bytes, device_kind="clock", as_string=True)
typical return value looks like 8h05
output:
6h51
